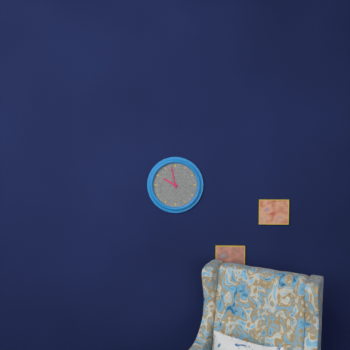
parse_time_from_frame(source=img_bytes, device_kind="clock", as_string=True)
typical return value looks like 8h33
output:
9h58
